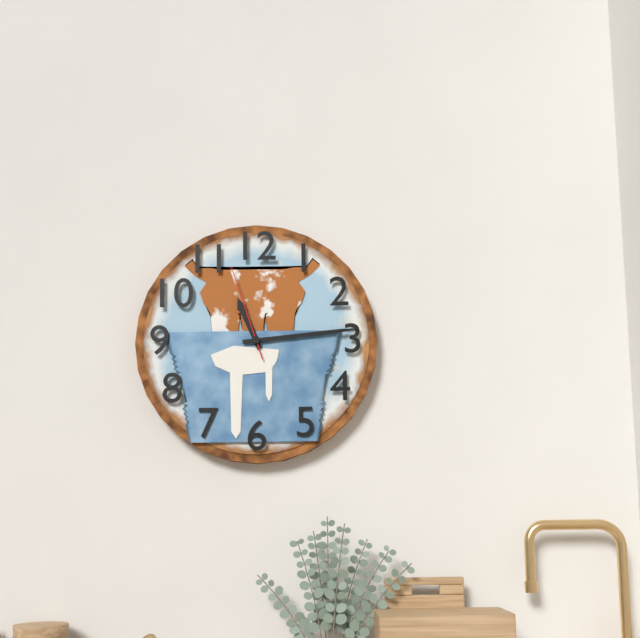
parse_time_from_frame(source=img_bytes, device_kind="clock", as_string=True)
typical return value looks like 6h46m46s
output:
11h14m57s
